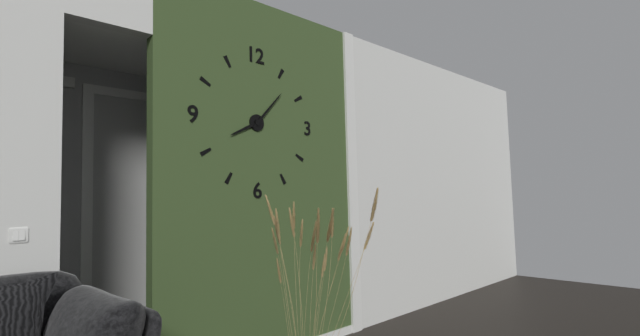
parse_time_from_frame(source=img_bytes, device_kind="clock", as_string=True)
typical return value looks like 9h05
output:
8h07
